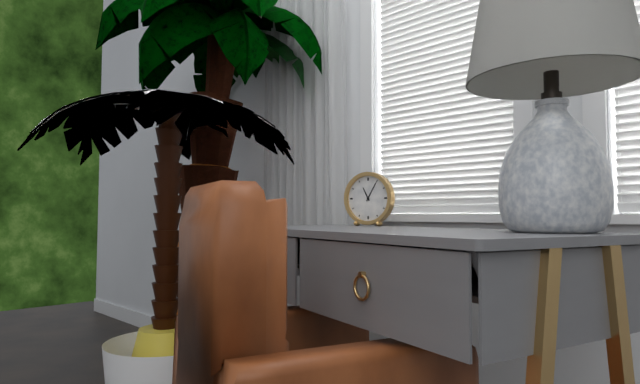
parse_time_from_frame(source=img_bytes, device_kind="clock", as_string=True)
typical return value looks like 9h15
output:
11h05
